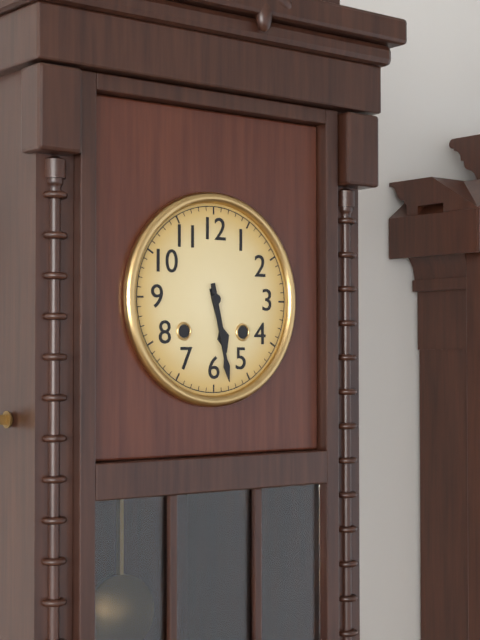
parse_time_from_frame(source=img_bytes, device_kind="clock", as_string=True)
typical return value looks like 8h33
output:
5h28
